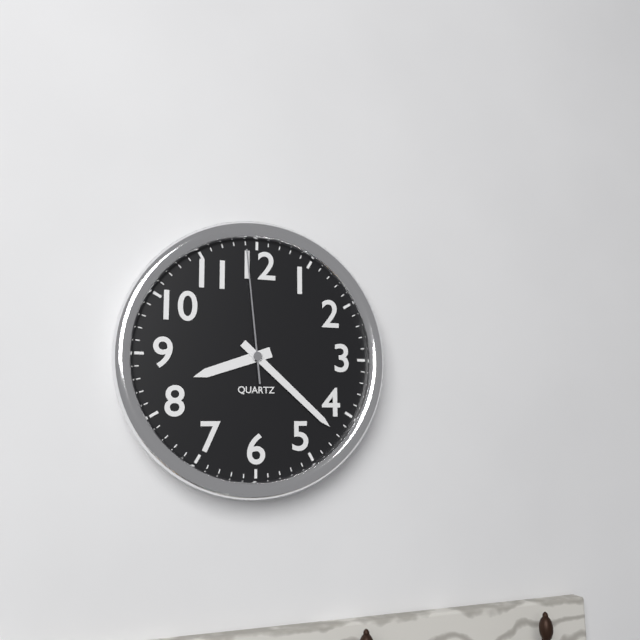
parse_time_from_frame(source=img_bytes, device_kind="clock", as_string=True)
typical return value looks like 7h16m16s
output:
8h22m59s
